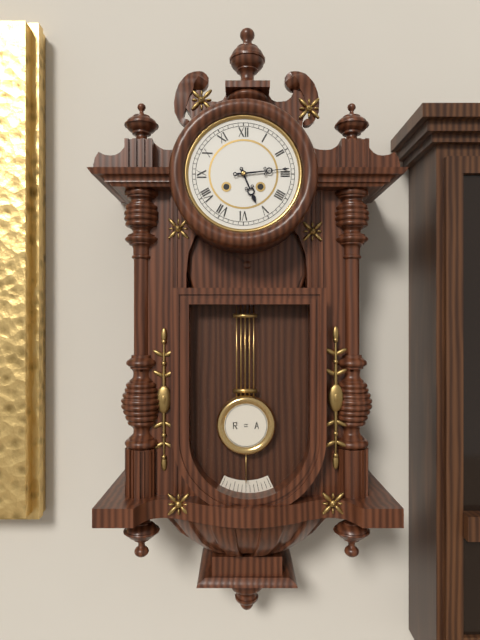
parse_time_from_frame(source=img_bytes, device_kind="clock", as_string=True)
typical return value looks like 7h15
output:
5h14
